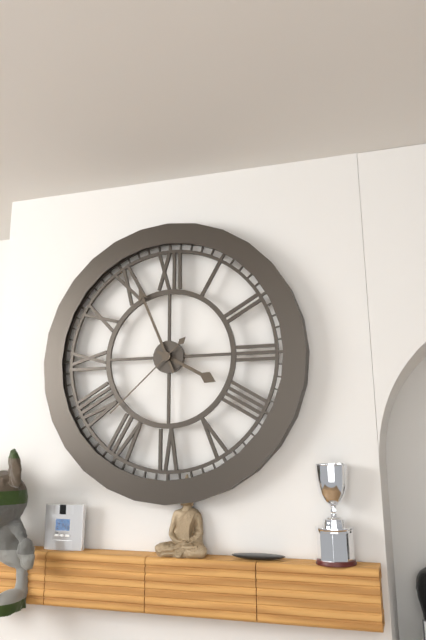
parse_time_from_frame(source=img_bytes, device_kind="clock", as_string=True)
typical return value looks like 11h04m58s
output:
3h56m38s
